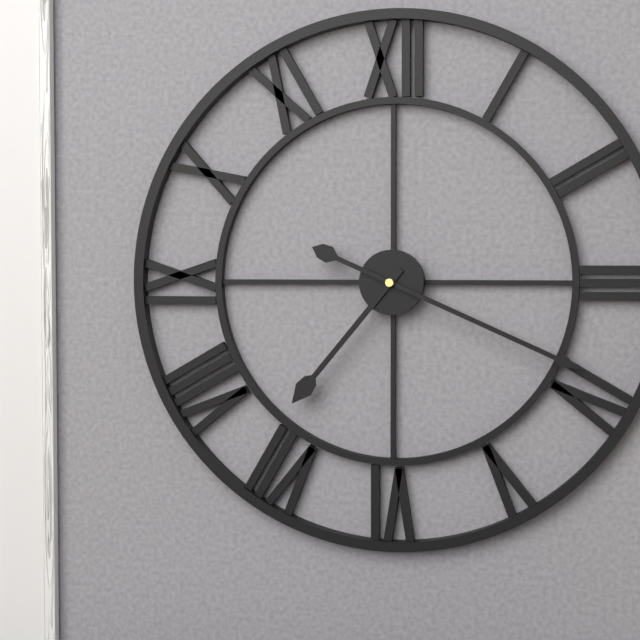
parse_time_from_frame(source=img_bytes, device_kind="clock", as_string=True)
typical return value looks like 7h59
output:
7h19
